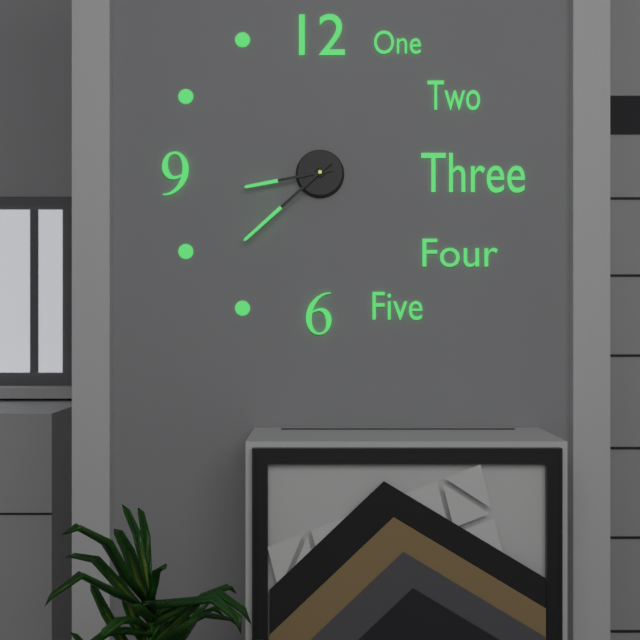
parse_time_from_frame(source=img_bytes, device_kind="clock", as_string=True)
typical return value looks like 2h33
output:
8h38
